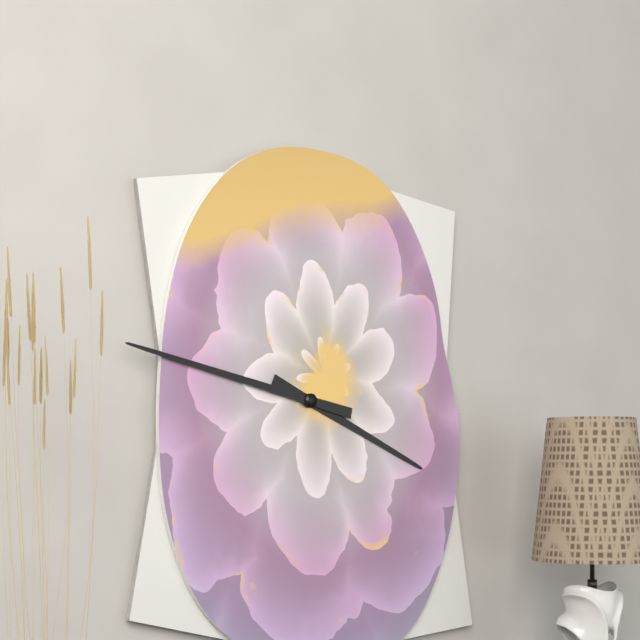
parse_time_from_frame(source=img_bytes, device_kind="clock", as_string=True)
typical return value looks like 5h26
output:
3h47
